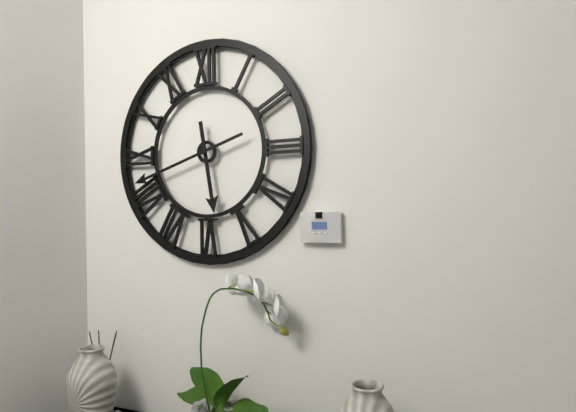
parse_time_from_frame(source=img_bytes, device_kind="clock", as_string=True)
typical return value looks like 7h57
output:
5h42
